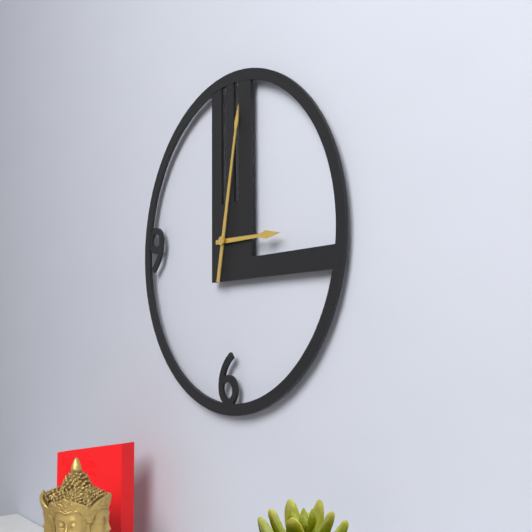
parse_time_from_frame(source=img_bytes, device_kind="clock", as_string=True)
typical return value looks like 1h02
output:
3h02
